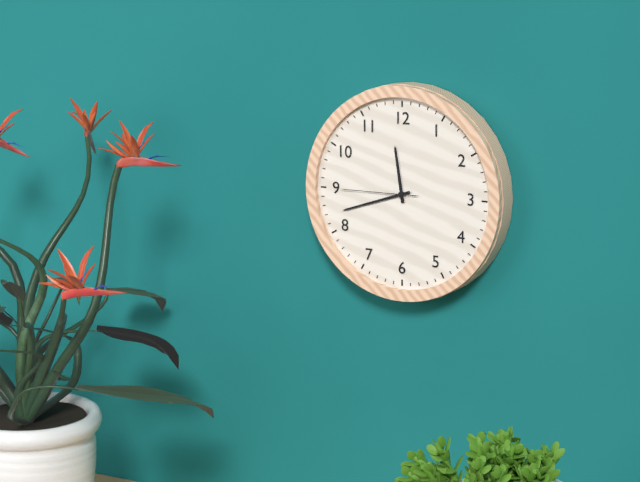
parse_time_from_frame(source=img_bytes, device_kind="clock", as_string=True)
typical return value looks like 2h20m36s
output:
11h42m45s
